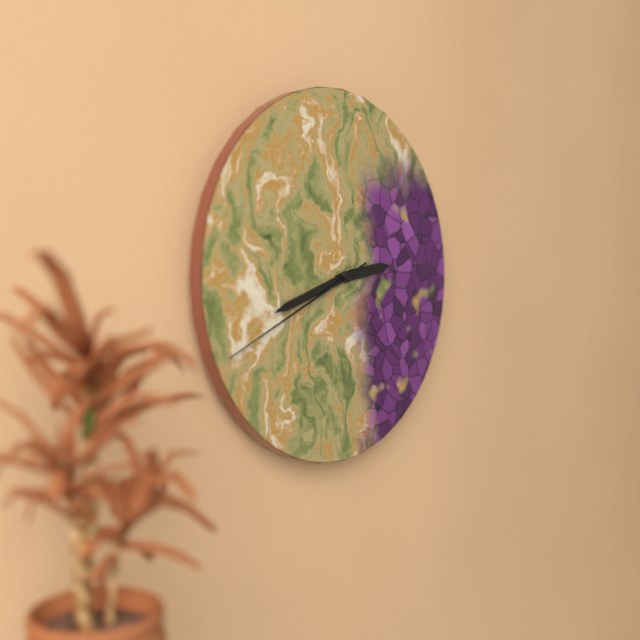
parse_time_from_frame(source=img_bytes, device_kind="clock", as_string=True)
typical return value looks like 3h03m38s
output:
2h42m41s
